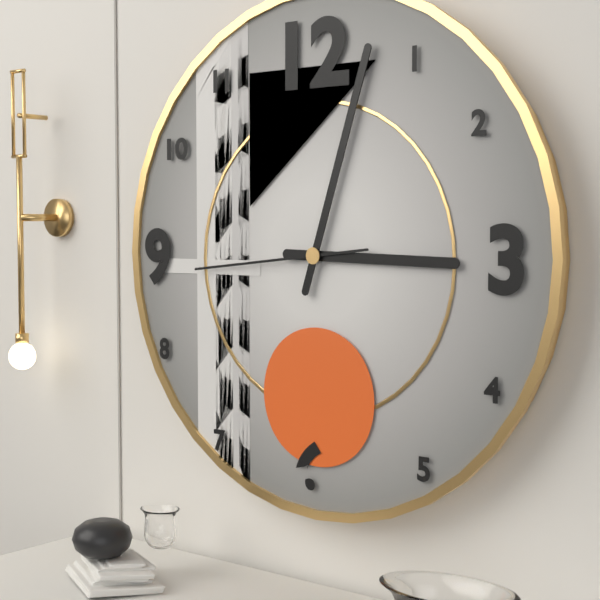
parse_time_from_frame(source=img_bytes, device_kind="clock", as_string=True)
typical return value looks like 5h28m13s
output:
3h03m44s
